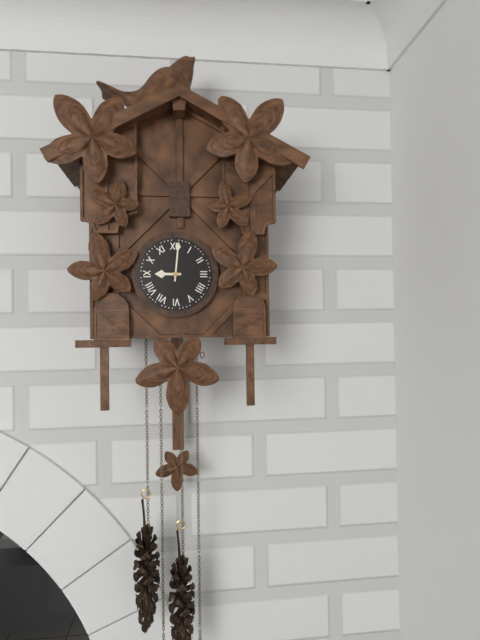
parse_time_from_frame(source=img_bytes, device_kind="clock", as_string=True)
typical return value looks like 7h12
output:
9h01
